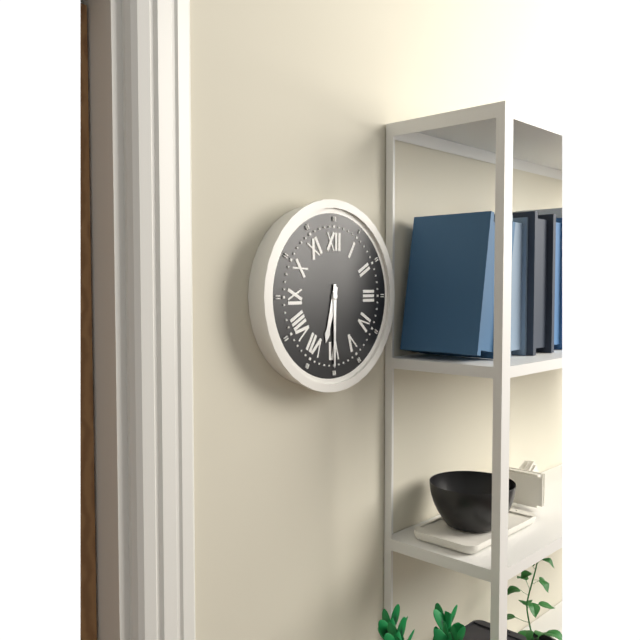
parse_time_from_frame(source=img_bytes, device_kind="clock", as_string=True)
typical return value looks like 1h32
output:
6h30
